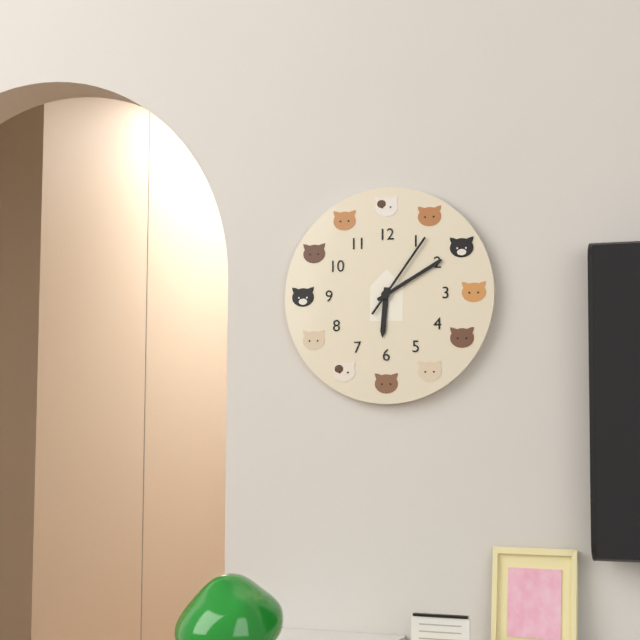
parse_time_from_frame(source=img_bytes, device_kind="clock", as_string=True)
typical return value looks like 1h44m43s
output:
6h10m06s
